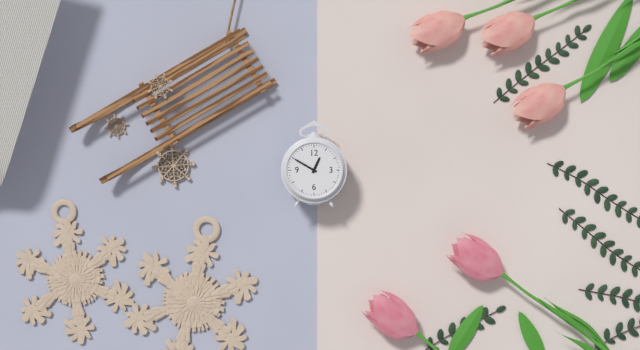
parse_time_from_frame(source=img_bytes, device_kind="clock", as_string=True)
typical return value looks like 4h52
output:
12h50
